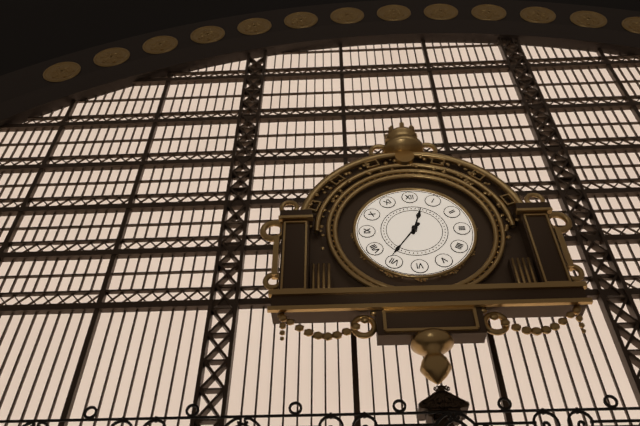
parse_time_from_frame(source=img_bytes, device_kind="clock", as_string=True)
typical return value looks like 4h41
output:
12h36
